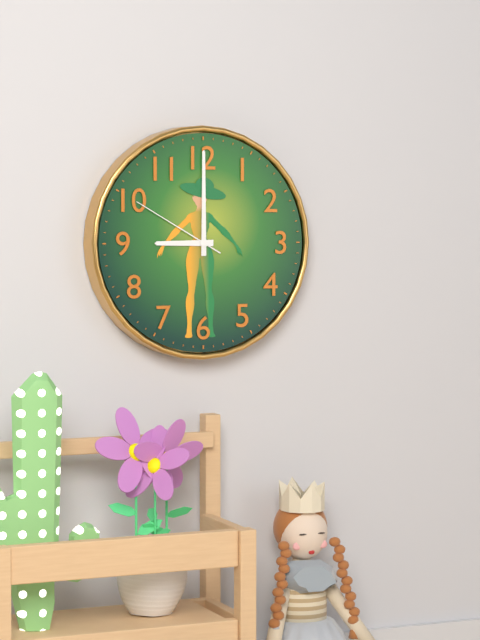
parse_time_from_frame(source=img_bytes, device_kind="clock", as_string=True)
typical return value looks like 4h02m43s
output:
9h00m50s
